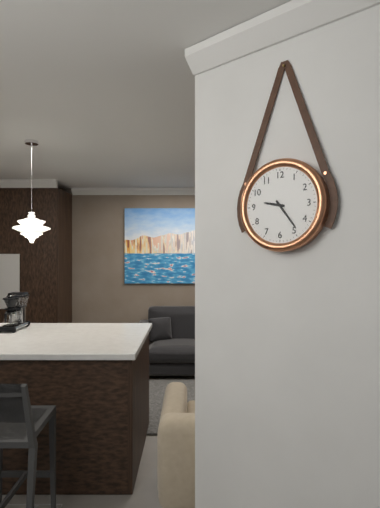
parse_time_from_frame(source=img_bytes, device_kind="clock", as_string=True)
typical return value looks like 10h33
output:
9h24
